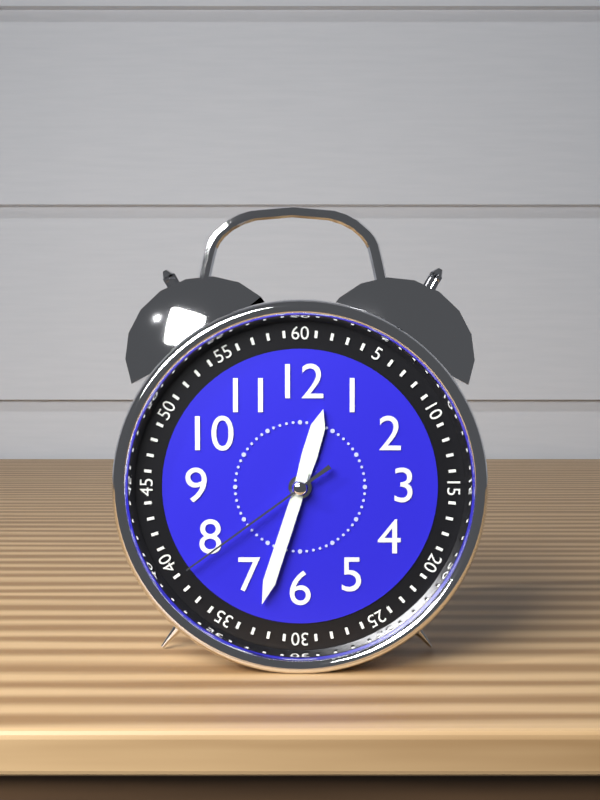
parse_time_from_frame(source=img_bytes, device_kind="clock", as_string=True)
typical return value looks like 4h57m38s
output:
12h33m39s
